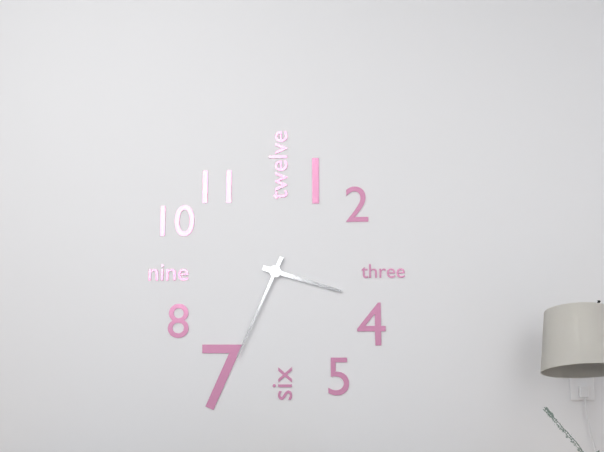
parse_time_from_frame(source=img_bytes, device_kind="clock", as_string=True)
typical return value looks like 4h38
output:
3h34
